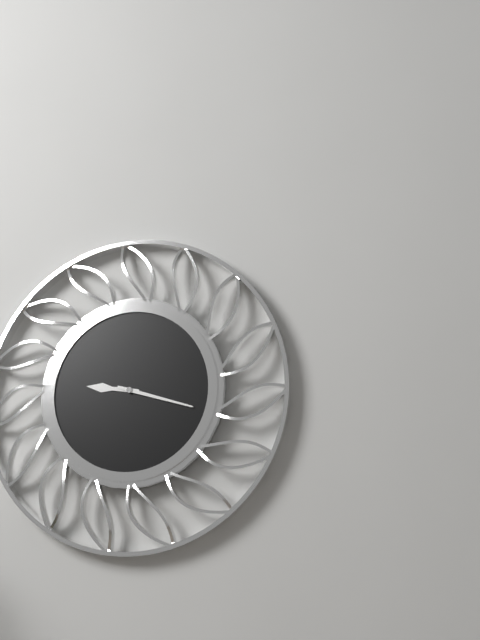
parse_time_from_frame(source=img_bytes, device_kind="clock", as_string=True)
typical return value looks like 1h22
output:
9h18
